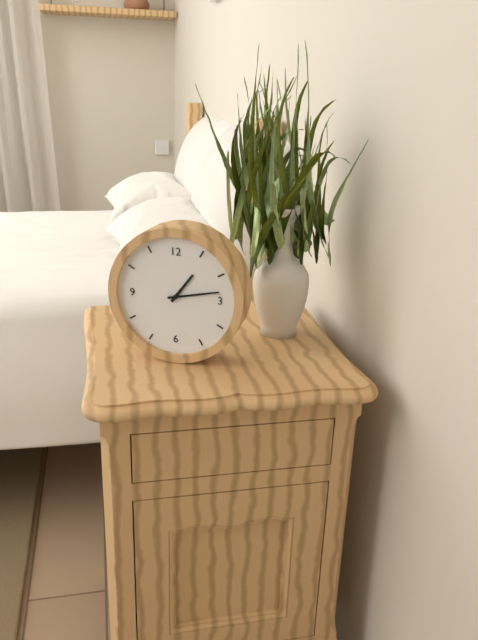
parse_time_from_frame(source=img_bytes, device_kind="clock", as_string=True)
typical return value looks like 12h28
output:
1h13
